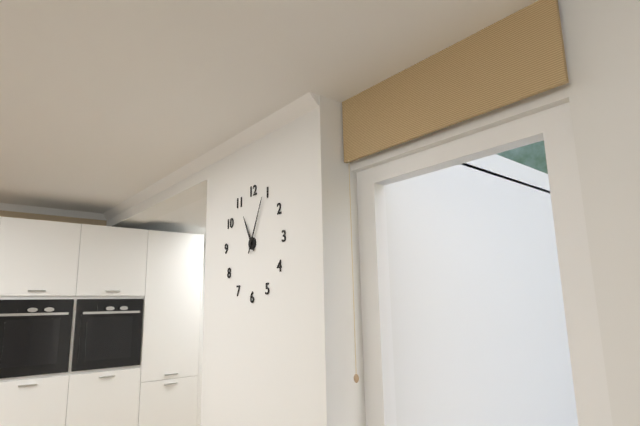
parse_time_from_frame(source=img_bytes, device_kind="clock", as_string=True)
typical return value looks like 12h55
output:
11h04
